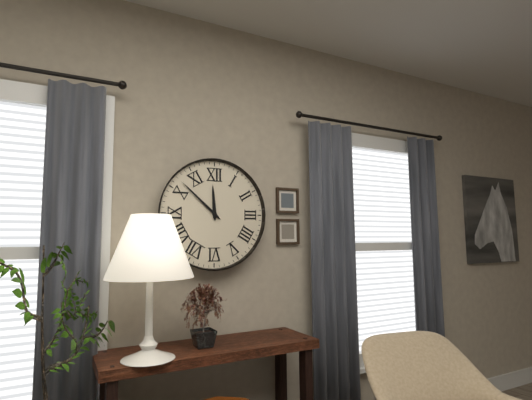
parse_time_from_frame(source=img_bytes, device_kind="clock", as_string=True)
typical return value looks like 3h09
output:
11h52
